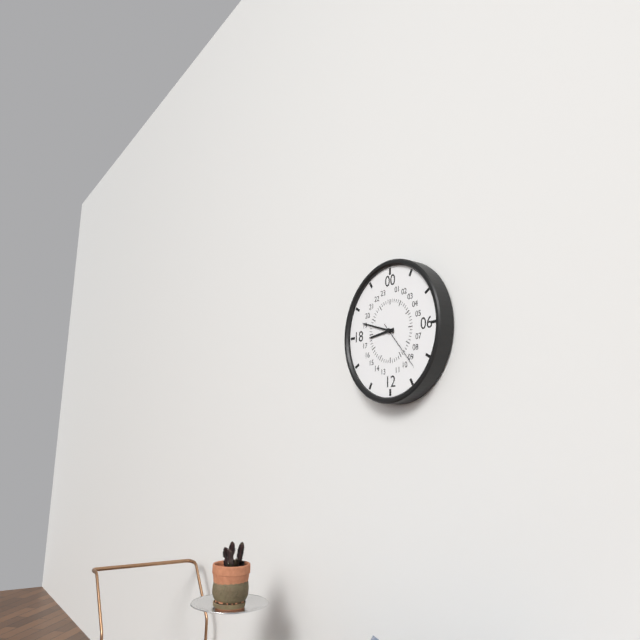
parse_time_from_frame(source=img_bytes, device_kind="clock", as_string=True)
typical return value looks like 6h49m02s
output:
8h48m23s
